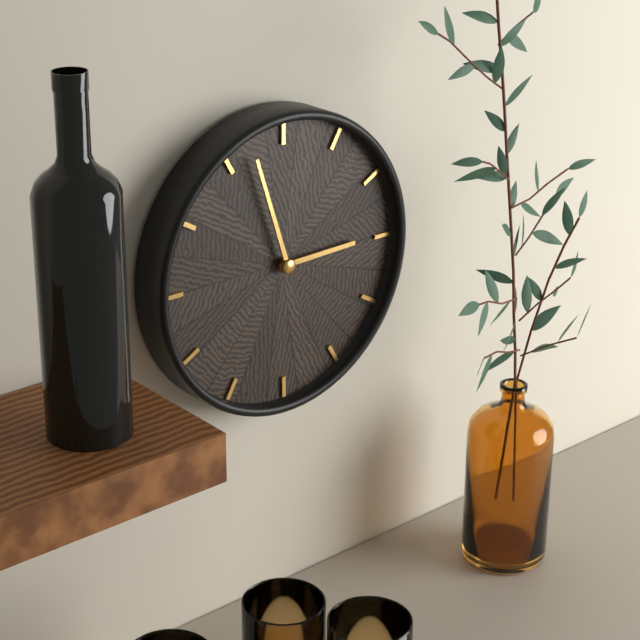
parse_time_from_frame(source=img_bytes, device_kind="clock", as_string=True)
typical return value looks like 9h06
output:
2h57
